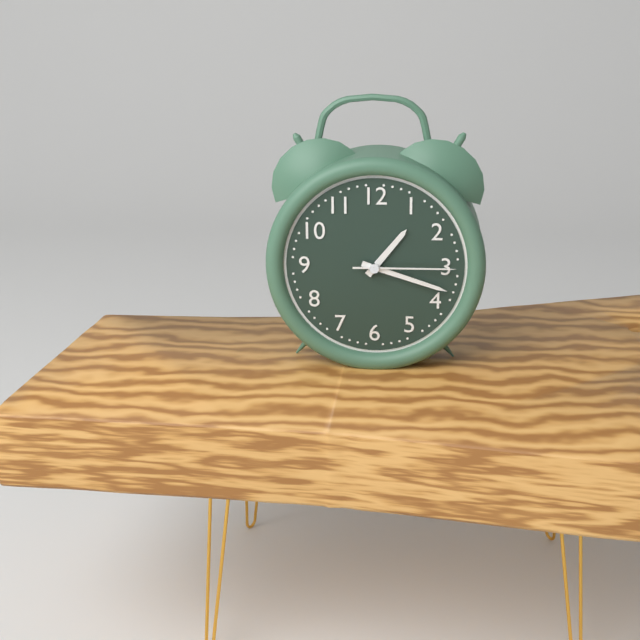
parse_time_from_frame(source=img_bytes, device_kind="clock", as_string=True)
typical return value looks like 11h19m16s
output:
1h18m15s
